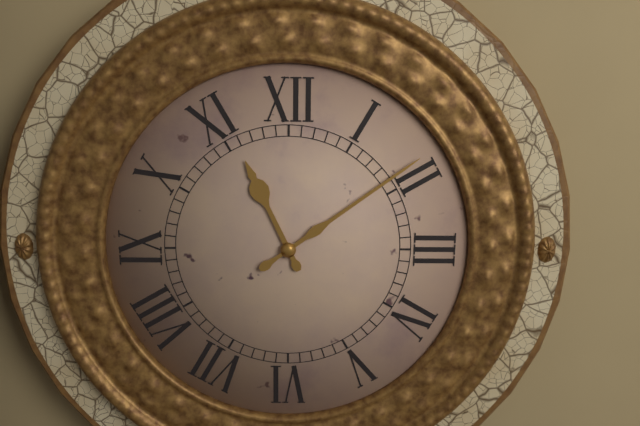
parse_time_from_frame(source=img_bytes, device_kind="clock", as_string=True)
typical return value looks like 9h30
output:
11h09
